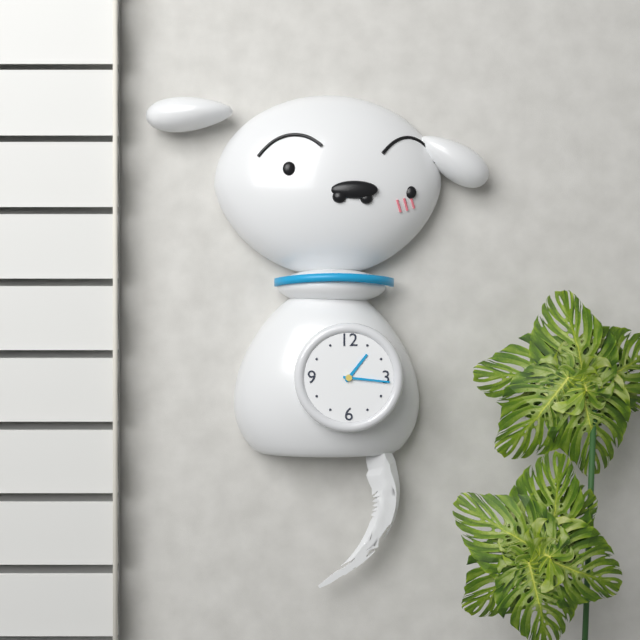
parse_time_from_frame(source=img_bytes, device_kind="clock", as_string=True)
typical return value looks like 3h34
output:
1h16
